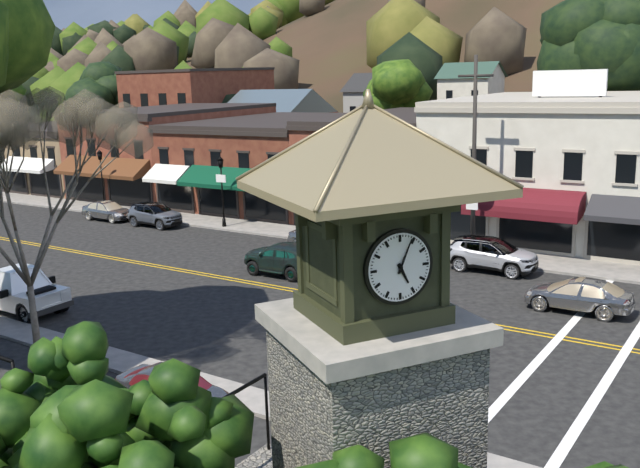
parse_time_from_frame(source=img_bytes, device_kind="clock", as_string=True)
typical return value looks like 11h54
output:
5h04
